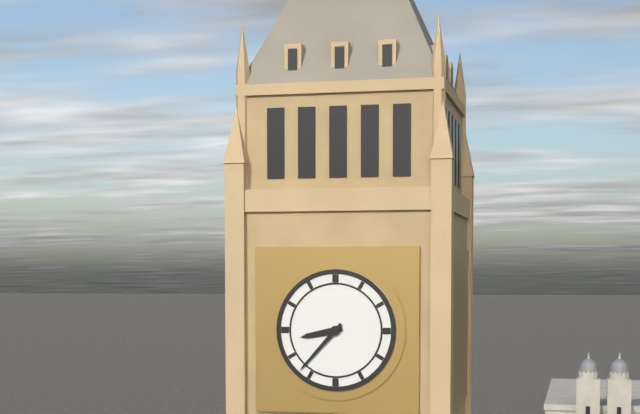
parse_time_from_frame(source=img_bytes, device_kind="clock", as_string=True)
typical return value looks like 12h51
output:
8h37
